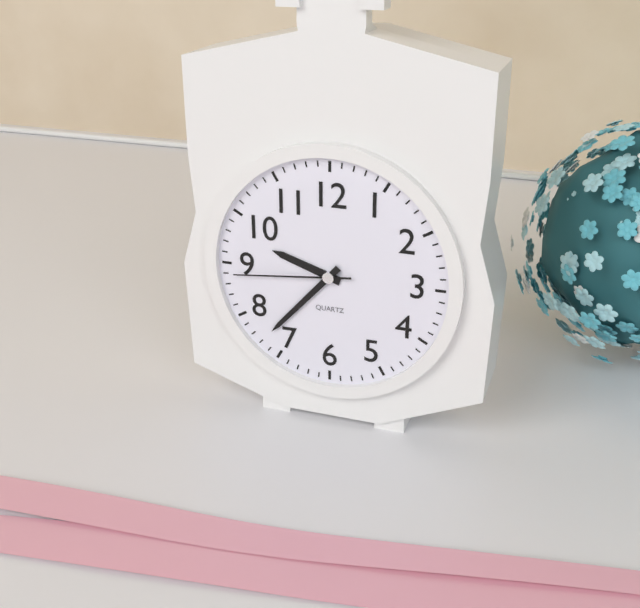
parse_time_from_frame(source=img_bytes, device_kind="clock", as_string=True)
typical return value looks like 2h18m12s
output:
9h37m44s
